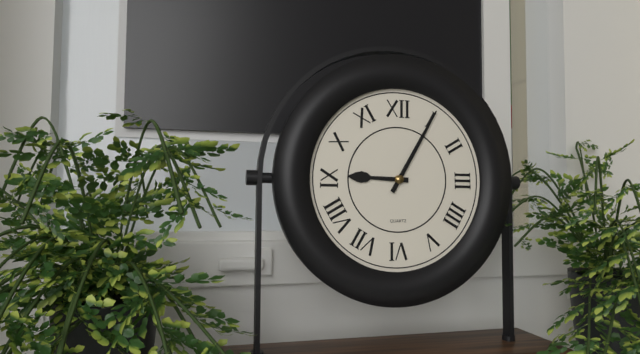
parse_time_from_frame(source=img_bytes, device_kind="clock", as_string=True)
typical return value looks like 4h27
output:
9h05
